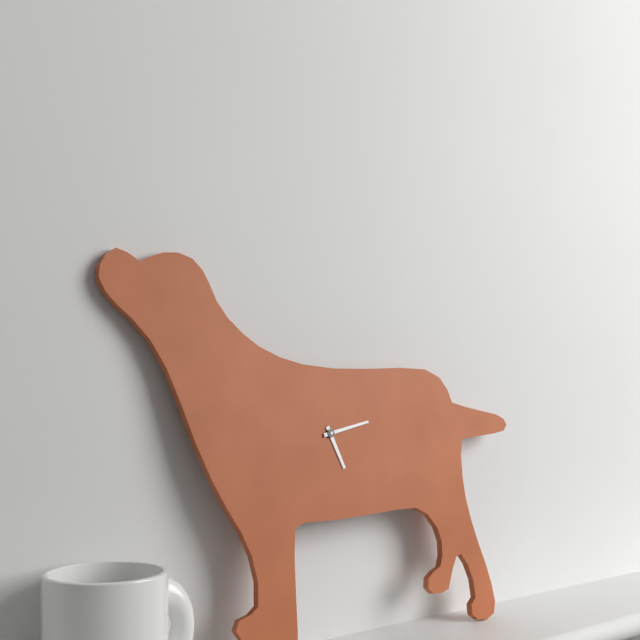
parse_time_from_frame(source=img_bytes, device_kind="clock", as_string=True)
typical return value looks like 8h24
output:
5h13
